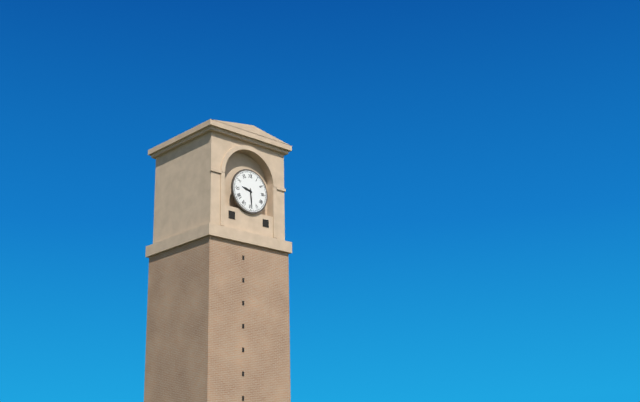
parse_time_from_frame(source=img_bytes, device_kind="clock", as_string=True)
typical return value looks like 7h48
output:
9h29
